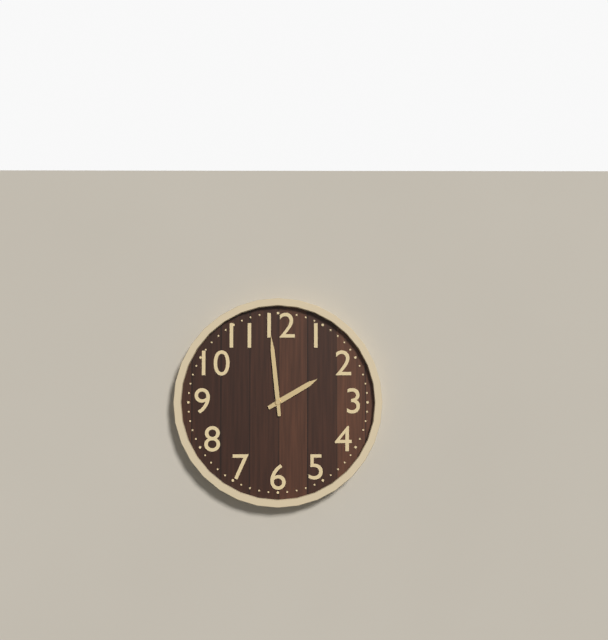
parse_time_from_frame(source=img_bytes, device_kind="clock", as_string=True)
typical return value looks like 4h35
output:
1h59
